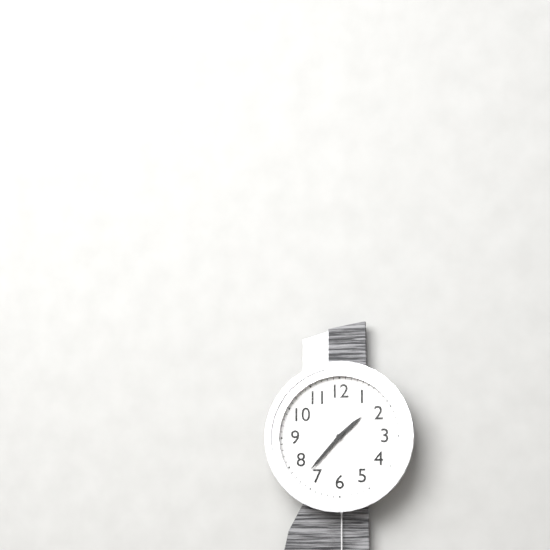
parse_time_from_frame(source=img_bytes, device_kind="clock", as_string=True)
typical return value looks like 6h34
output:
1h37
